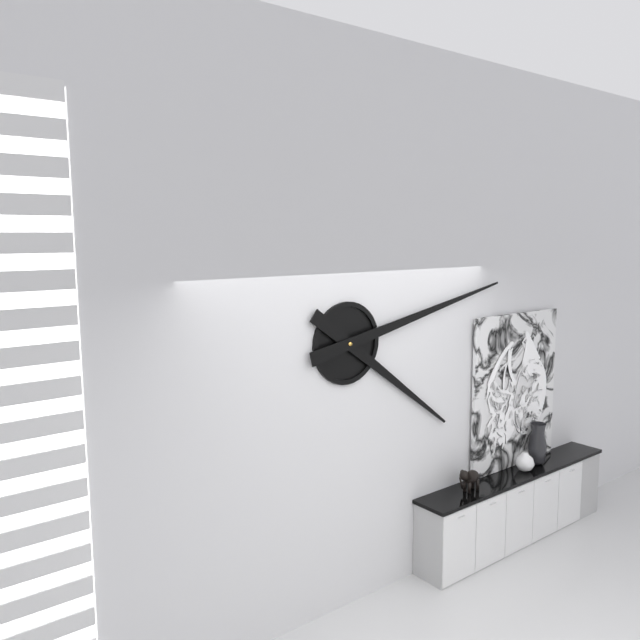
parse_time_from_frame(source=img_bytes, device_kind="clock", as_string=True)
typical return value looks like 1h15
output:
4h13
